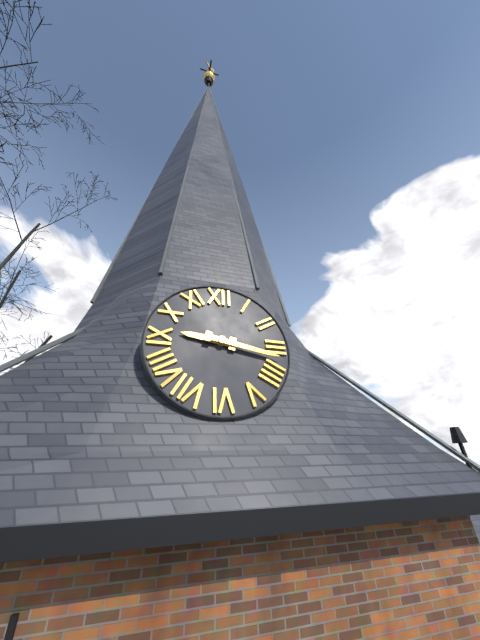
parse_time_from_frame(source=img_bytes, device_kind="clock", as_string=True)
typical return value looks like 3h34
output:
9h17
